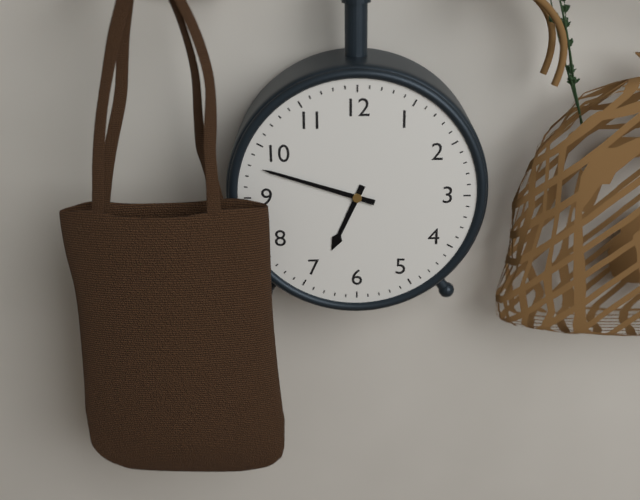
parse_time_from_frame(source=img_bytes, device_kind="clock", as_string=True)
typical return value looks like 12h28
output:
6h48
